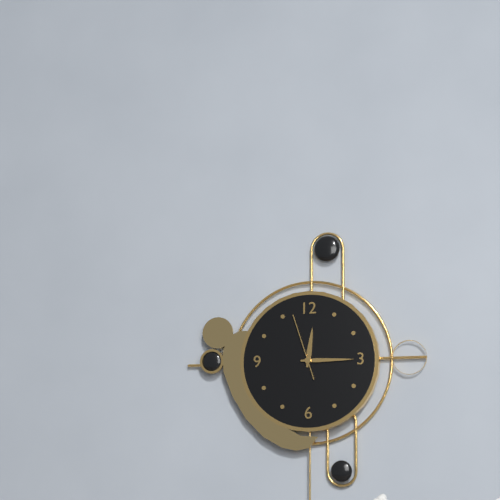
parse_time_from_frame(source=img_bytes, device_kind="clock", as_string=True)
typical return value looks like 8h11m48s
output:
12h15m57s
